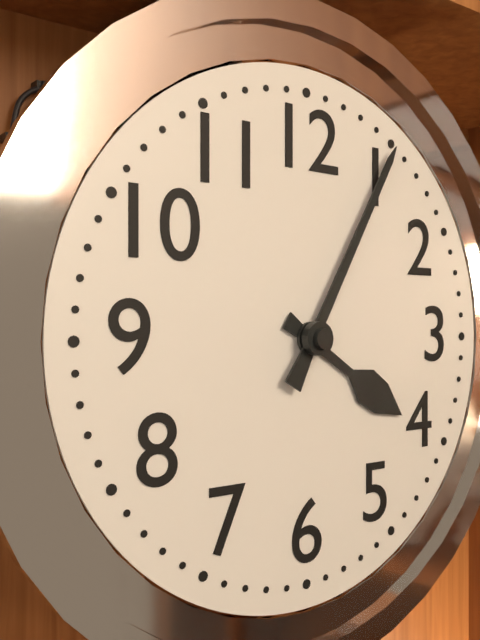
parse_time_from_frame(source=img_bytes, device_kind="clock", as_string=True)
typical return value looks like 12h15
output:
4h05
